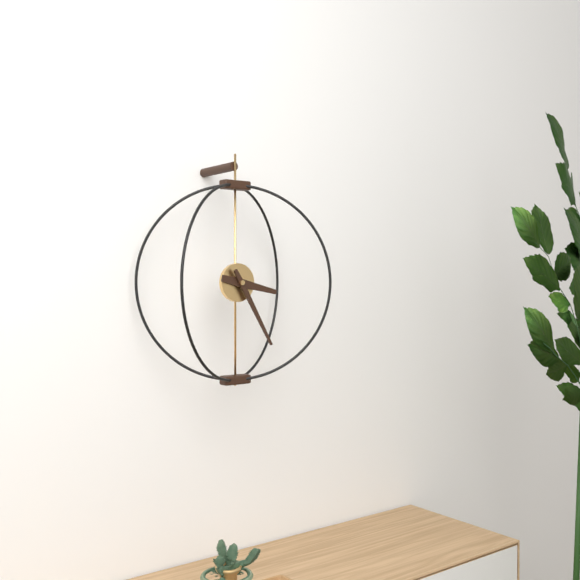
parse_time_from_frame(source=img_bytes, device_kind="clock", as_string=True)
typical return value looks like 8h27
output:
3h25
